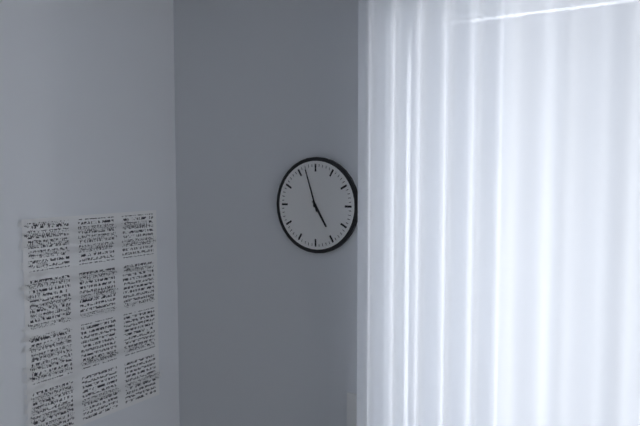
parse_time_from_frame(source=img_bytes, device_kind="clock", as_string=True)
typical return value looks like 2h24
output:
4h57
